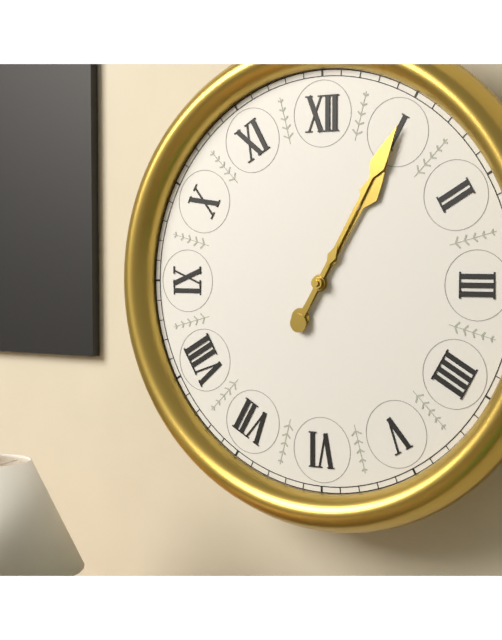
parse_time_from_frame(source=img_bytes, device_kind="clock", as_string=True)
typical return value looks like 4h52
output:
1h05
